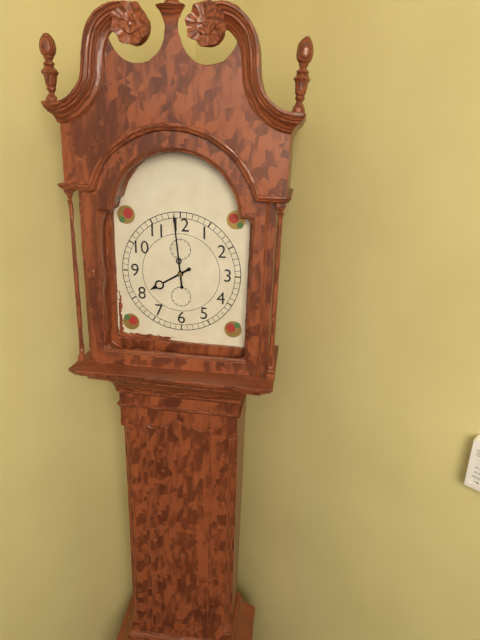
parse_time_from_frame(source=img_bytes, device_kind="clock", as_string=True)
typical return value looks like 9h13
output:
7h59
